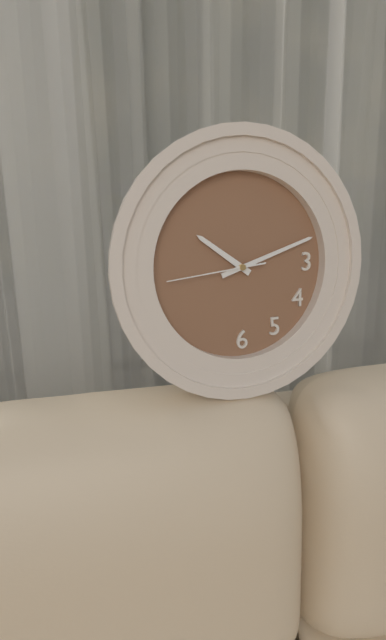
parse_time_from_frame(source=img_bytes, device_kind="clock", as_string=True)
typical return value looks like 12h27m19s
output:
10h12m44s
